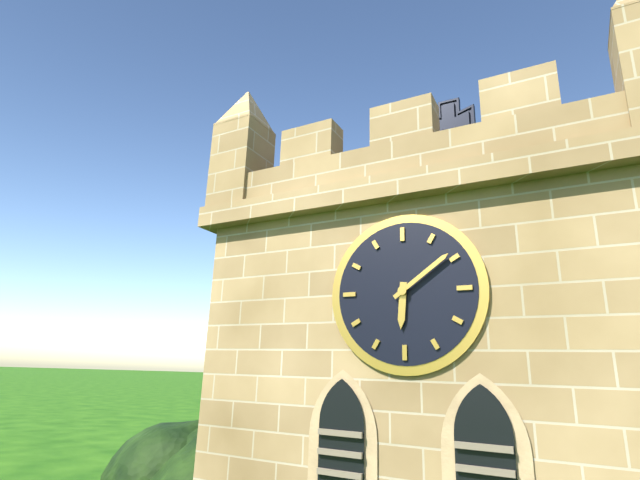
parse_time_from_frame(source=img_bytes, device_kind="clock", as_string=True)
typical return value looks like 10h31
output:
6h09
